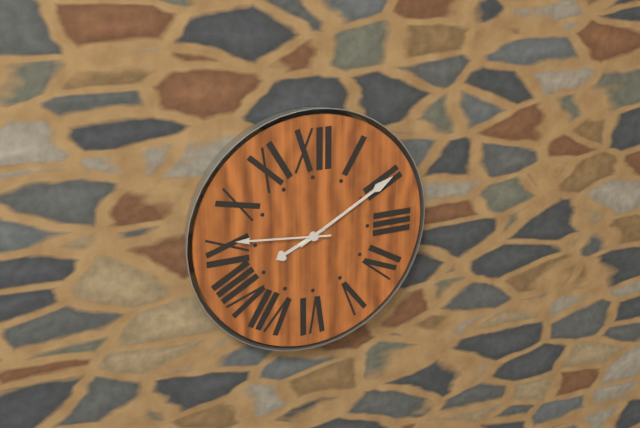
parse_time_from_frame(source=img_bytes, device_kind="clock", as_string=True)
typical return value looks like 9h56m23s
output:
8h10m46s
